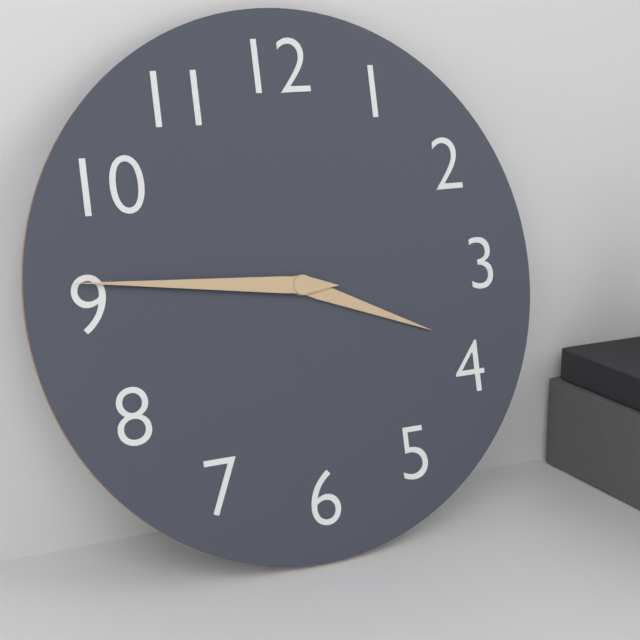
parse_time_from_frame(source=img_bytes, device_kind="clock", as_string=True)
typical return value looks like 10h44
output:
3h46
